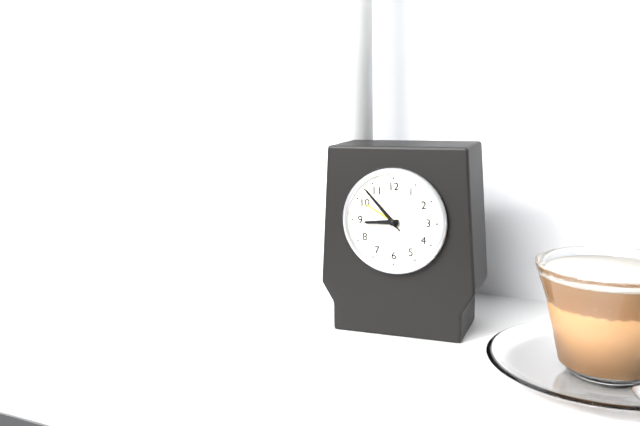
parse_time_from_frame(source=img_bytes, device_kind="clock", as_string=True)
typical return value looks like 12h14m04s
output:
8h53m53s
